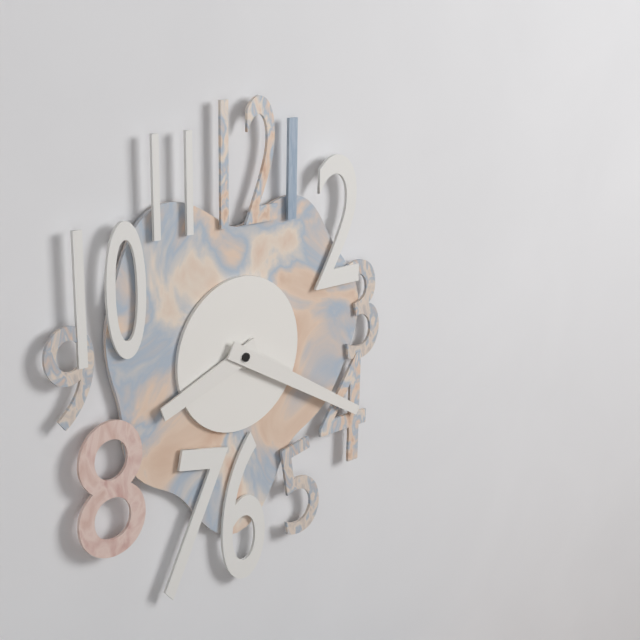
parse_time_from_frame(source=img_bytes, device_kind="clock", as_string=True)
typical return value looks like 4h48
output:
8h20
